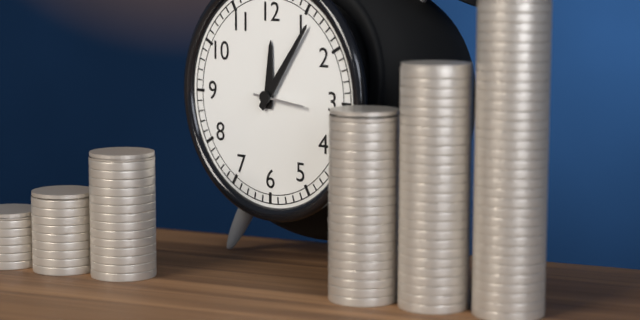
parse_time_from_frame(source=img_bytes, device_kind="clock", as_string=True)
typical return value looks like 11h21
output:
12h06
